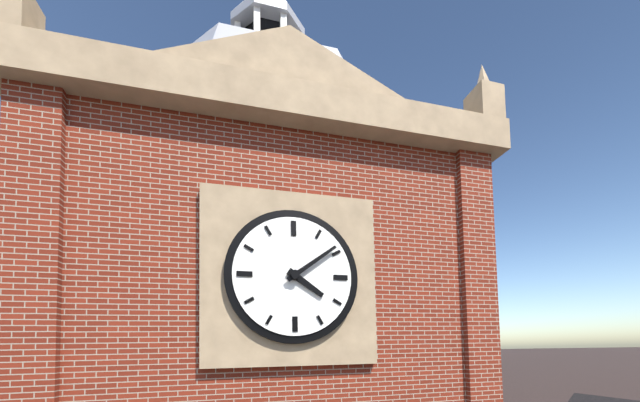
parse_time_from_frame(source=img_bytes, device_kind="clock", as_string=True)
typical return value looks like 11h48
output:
4h09
